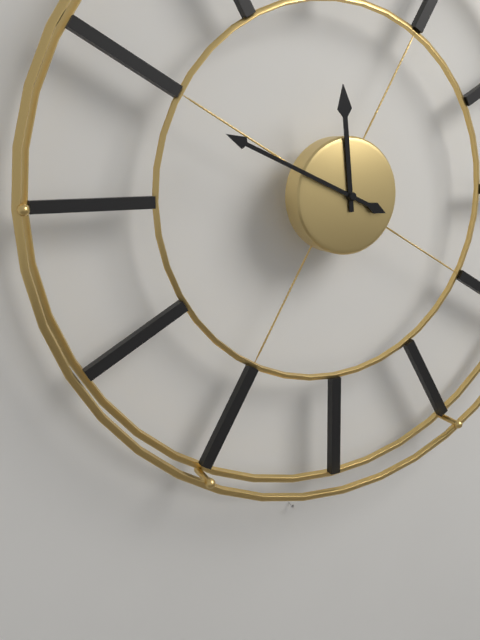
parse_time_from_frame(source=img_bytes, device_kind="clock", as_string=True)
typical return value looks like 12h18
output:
11h49
